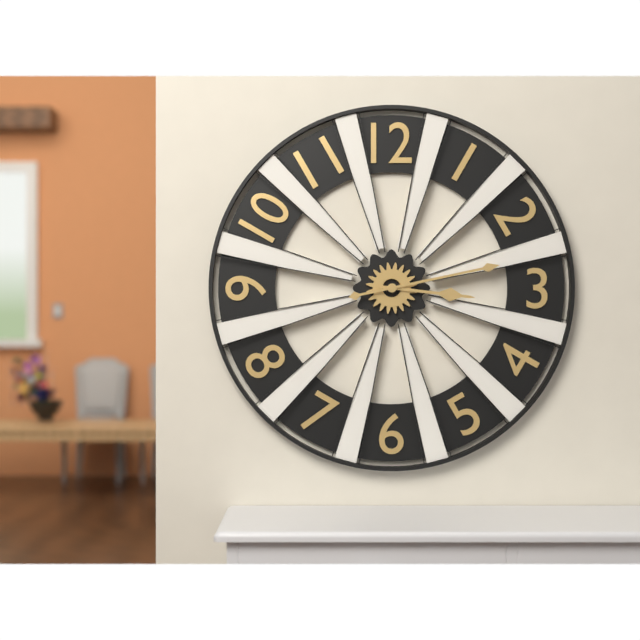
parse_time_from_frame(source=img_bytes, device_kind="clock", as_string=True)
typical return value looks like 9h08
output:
3h13
